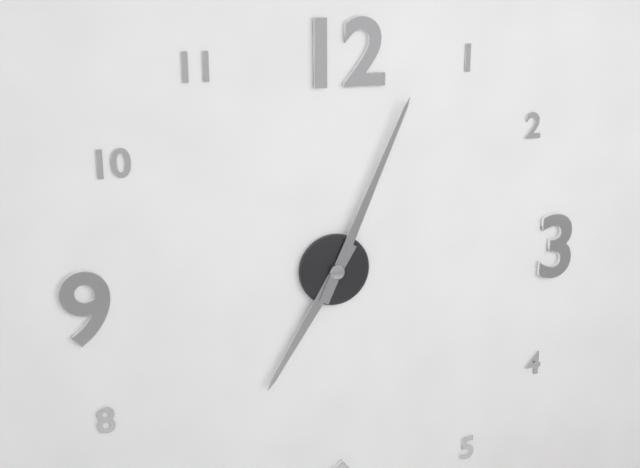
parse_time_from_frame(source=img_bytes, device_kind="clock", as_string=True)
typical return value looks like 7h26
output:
7h04
